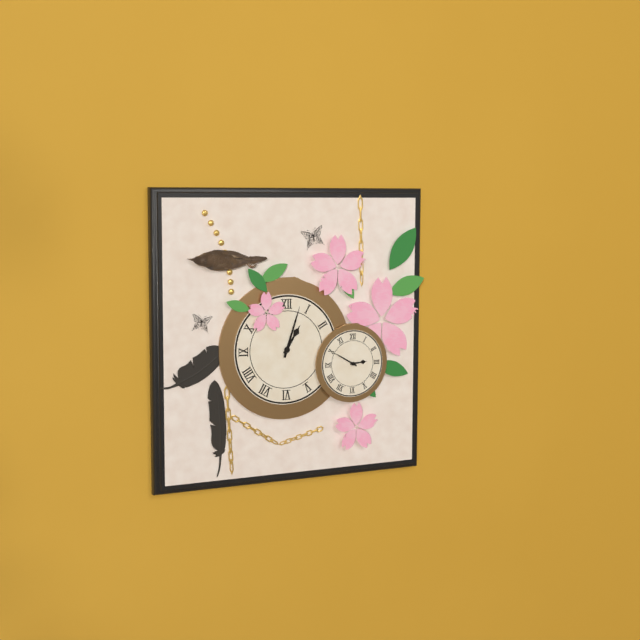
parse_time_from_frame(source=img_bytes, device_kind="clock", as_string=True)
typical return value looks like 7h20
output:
1h03
